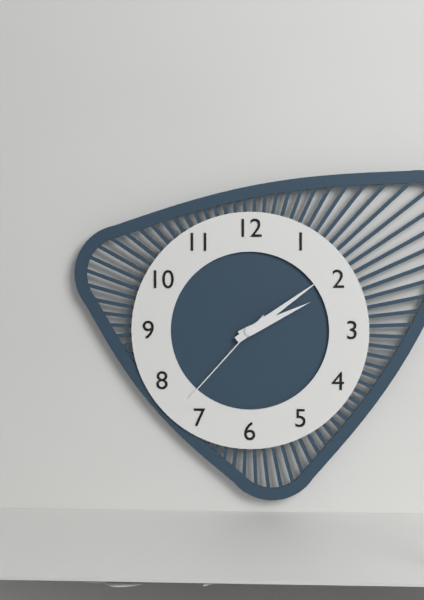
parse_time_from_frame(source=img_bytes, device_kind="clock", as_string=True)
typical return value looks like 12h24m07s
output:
2h09m37s
